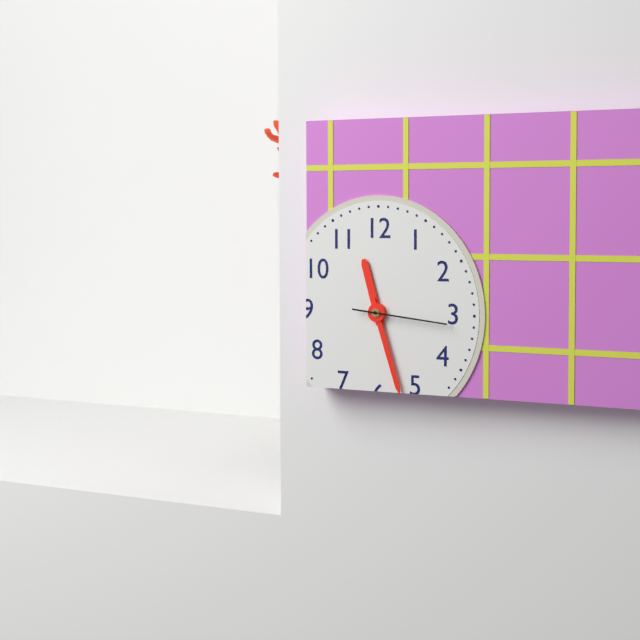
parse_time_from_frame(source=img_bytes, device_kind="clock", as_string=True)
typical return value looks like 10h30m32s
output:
11h27m16s
